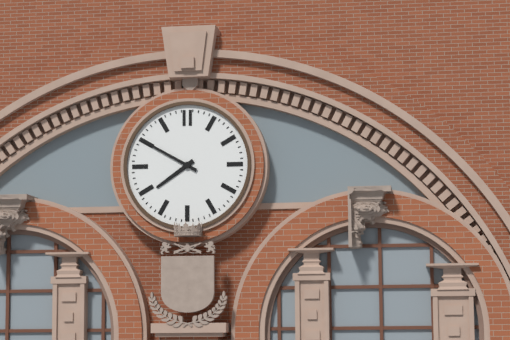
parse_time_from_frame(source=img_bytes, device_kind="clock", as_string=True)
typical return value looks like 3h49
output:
7h50
